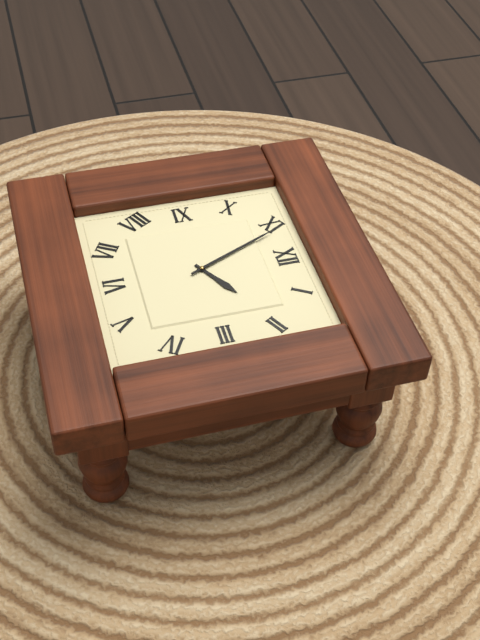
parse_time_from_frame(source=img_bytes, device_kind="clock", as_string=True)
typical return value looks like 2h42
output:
1h56
